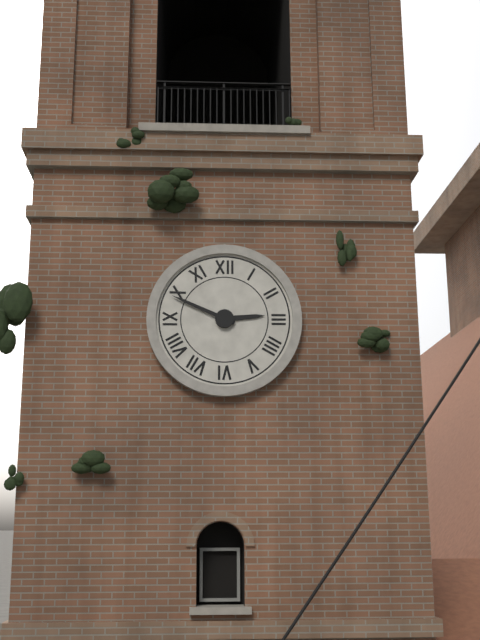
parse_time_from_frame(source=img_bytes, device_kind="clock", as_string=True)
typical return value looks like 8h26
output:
2h49
